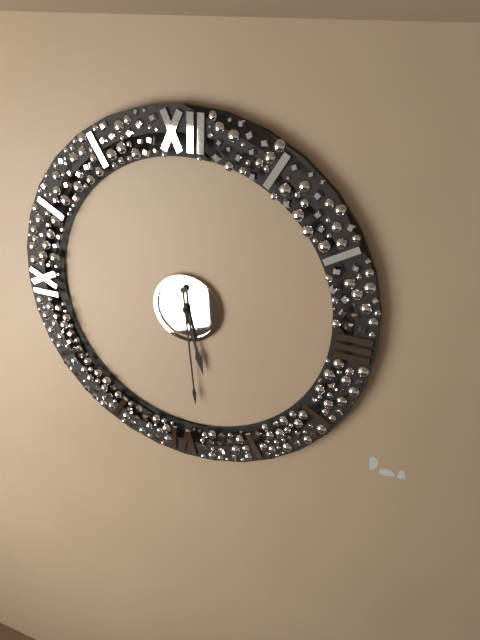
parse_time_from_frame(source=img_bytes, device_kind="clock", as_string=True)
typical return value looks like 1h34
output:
5h29
